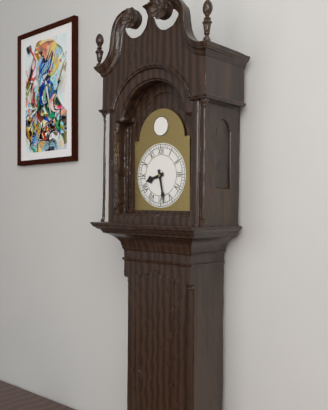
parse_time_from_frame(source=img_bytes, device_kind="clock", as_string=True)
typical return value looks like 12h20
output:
8h28
